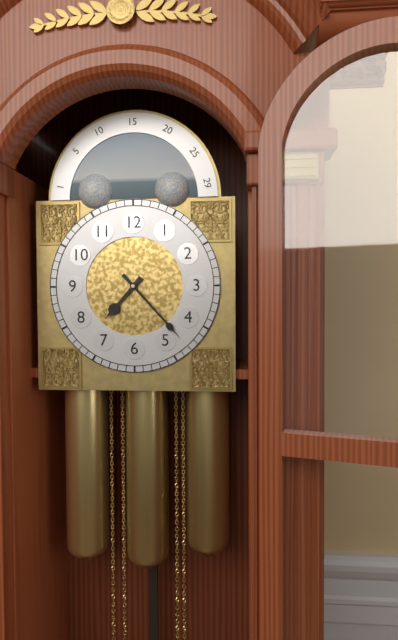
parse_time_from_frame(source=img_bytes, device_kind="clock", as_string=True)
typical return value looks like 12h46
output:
7h23
